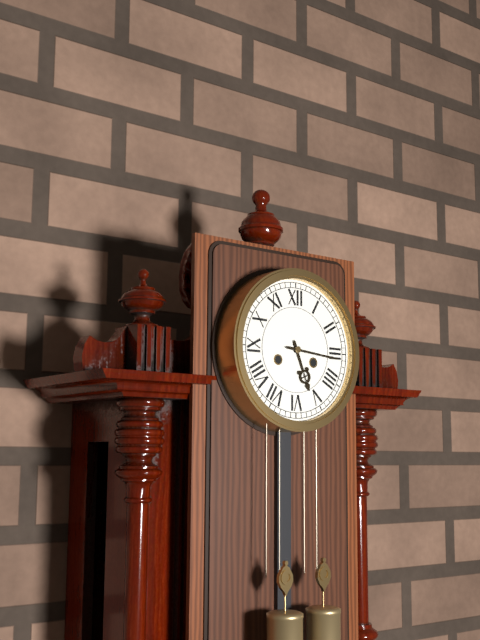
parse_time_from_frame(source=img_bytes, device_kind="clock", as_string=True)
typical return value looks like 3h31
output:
5h16
